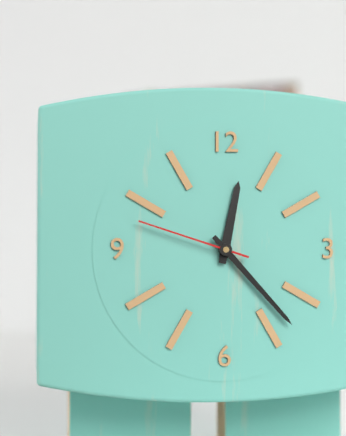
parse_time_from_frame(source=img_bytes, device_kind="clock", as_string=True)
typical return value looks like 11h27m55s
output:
12h23m48s
